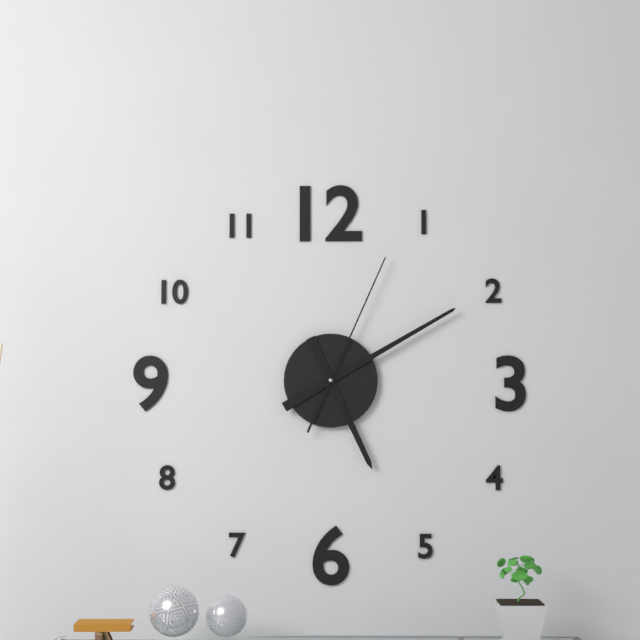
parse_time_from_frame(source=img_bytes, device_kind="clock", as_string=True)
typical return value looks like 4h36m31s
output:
5h10m04s
